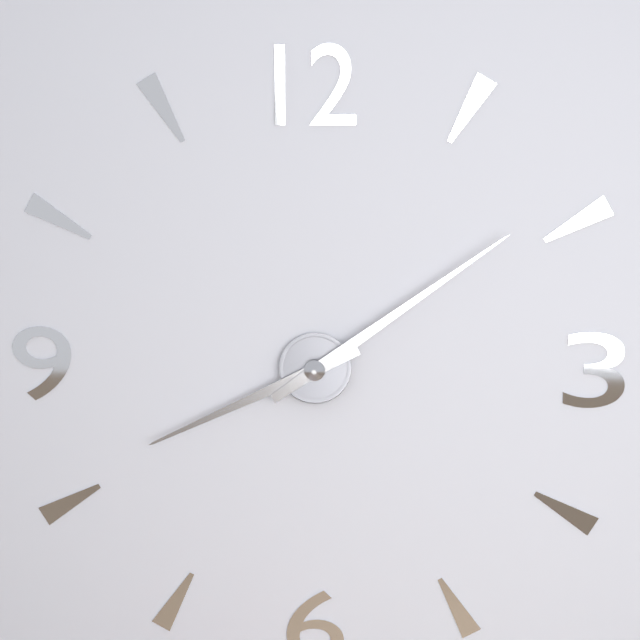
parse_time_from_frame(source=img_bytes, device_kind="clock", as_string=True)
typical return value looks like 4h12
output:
8h09
